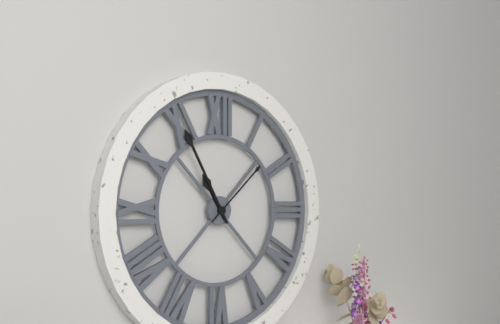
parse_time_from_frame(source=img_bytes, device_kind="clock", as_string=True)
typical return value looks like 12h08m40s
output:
10h55m08s
